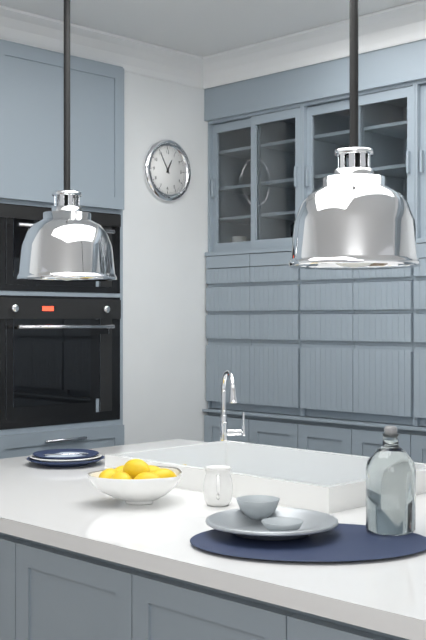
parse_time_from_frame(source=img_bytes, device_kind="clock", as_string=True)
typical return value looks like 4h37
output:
12h55
